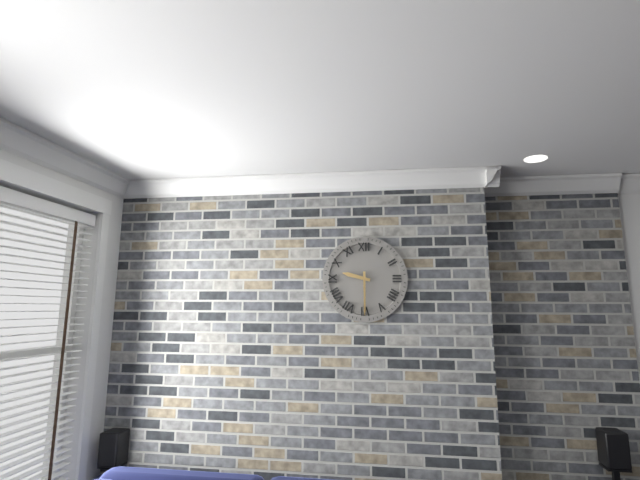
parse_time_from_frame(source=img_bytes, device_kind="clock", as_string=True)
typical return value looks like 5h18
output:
9h30
